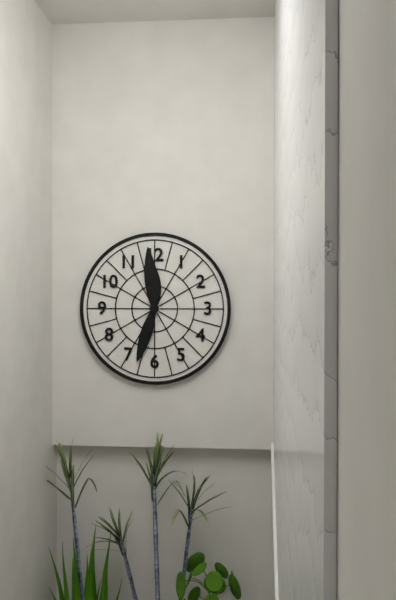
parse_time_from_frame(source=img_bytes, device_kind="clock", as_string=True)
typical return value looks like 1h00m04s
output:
11h59m33s
